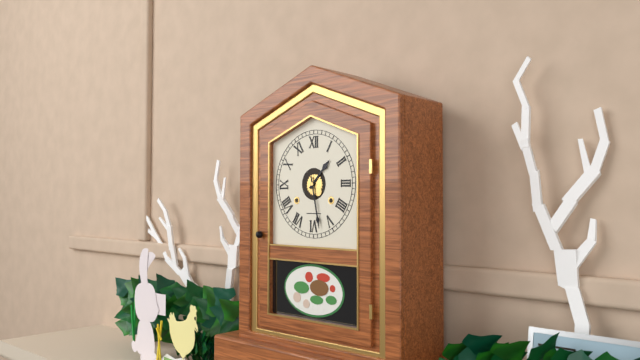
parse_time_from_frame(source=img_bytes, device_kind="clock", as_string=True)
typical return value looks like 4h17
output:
1h28
